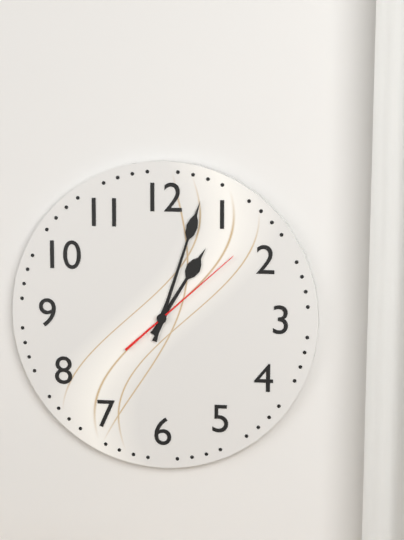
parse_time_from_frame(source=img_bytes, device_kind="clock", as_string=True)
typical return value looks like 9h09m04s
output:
1h03m08s
